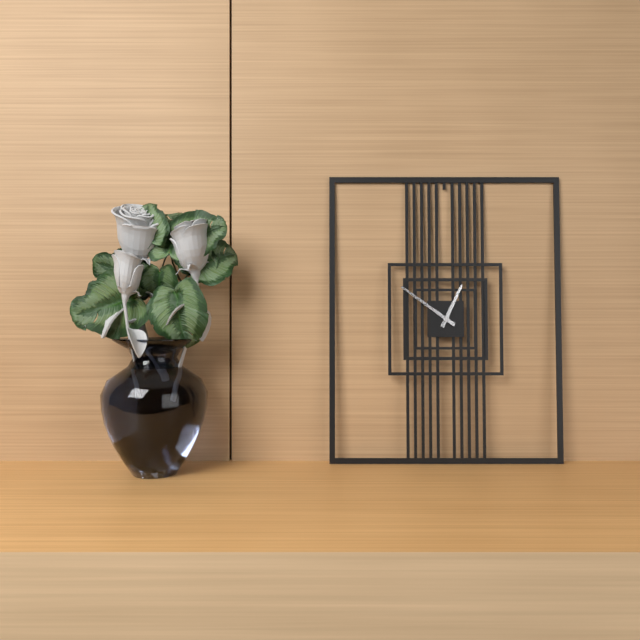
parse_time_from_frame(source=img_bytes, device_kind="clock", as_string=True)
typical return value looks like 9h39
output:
12h51
